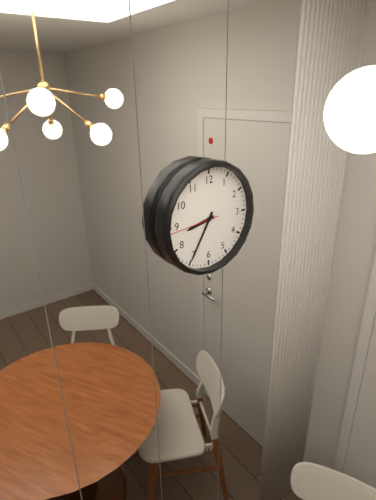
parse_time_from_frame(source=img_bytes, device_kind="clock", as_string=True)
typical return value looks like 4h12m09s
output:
8h35m44s
